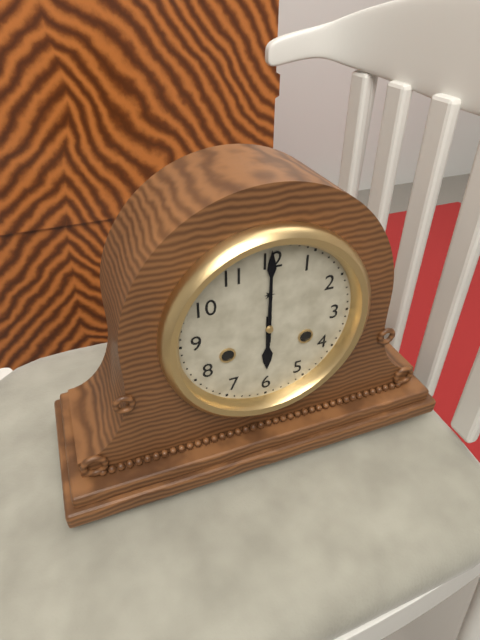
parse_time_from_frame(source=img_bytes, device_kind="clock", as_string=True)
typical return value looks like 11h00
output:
6h00
